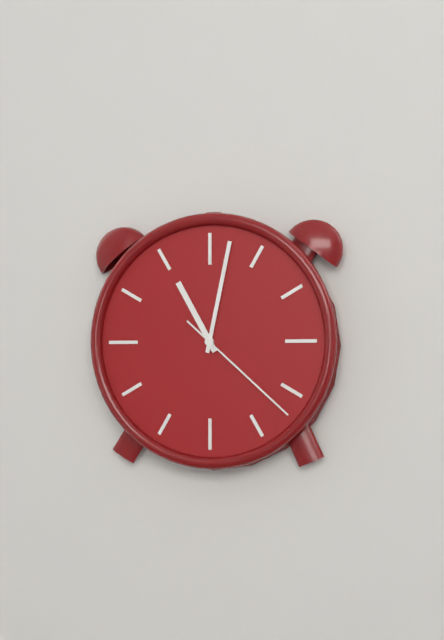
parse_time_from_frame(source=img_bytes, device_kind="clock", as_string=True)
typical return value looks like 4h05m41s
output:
11h02m22s
